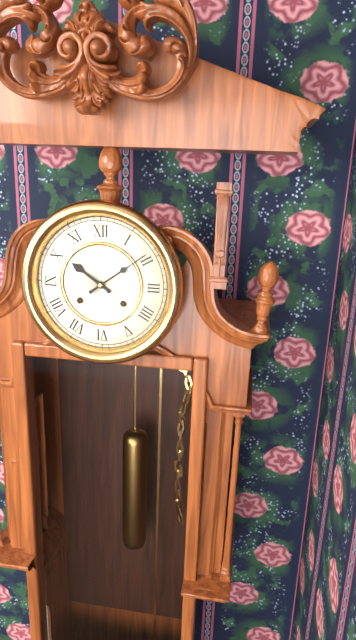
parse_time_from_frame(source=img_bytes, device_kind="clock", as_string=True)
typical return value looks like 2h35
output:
10h09
